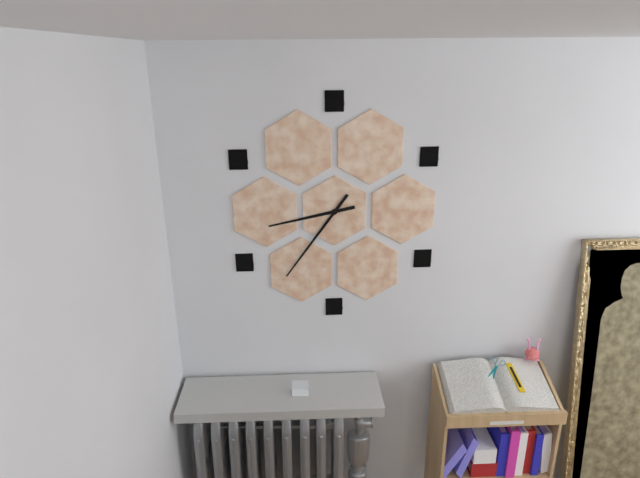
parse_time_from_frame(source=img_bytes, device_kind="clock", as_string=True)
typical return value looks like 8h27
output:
8h36
